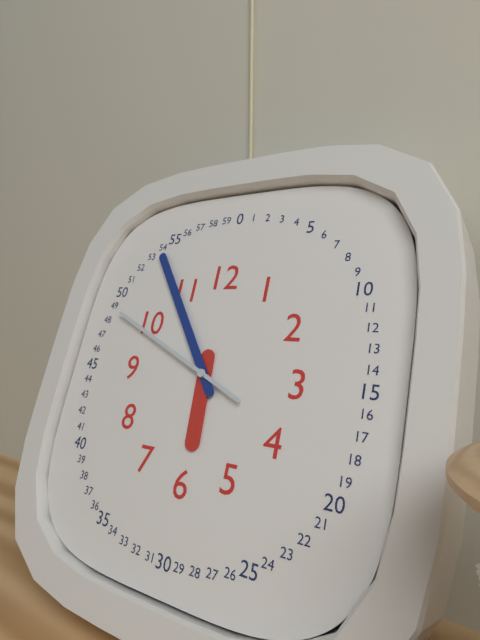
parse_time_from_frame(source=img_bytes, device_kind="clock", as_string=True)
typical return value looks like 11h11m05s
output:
5h54m49s
